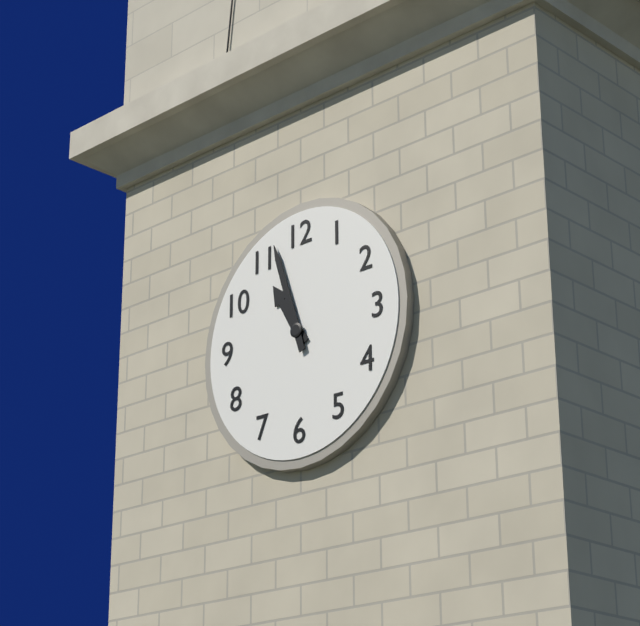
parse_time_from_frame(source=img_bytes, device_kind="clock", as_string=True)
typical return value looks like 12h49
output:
10h57
